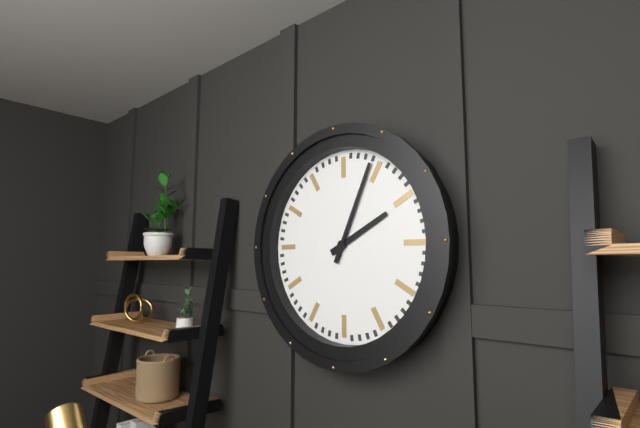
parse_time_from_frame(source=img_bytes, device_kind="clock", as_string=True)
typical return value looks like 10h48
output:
2h04
